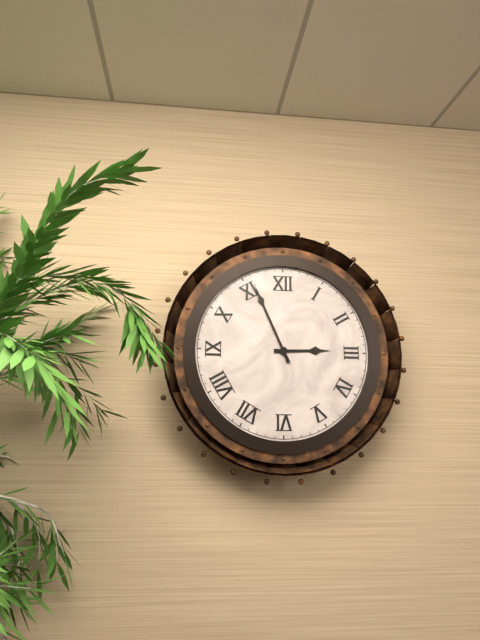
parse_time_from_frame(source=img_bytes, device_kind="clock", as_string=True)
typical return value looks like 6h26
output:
2h56
